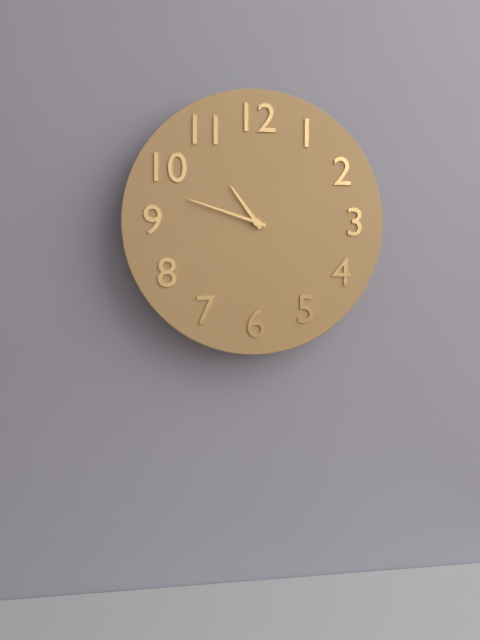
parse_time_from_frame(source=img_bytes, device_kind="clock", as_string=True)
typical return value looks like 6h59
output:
10h48
